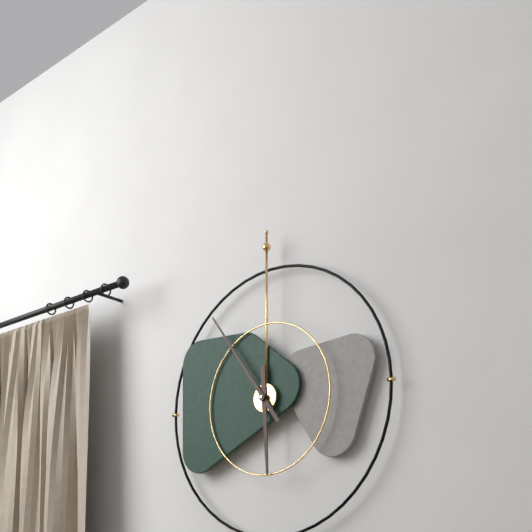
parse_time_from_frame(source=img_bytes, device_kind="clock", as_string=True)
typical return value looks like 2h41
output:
5h54
